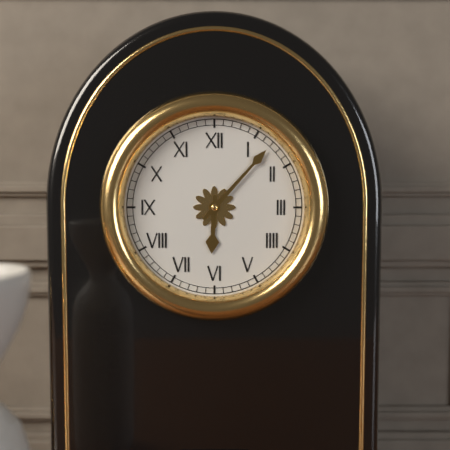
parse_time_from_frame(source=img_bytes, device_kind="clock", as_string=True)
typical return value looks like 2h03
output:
6h07
